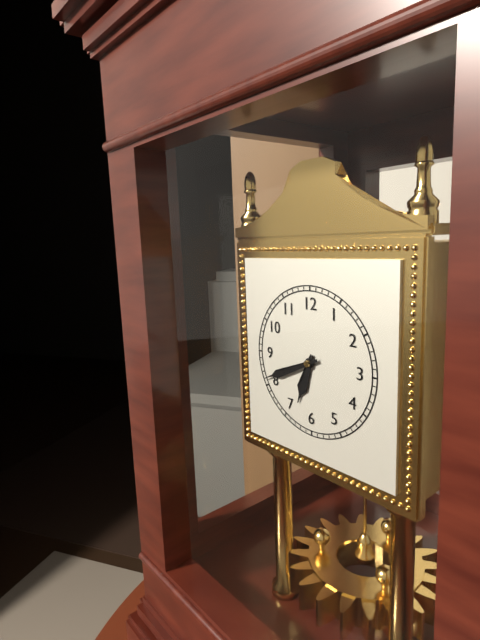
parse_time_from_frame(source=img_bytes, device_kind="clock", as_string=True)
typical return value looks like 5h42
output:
6h41
